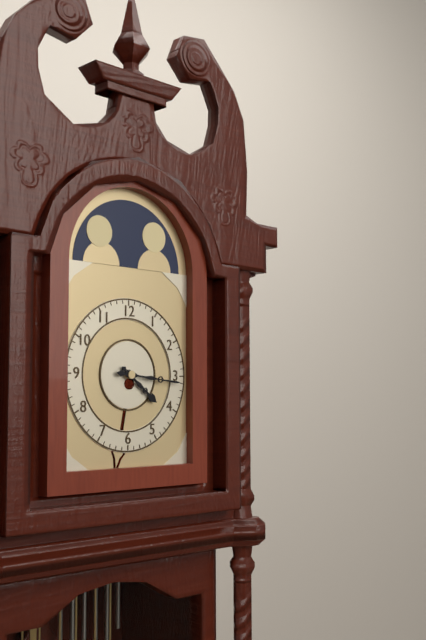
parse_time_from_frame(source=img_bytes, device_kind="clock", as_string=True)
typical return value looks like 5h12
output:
4h16
